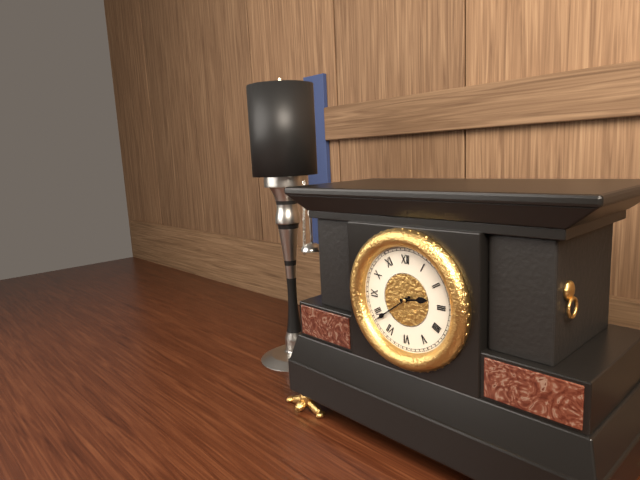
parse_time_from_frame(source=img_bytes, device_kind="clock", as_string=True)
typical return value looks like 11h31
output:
2h39
